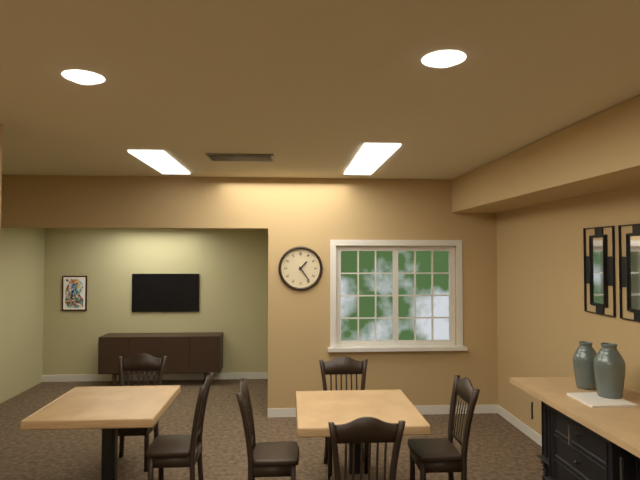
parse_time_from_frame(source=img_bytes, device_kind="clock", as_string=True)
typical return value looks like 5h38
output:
1h24
